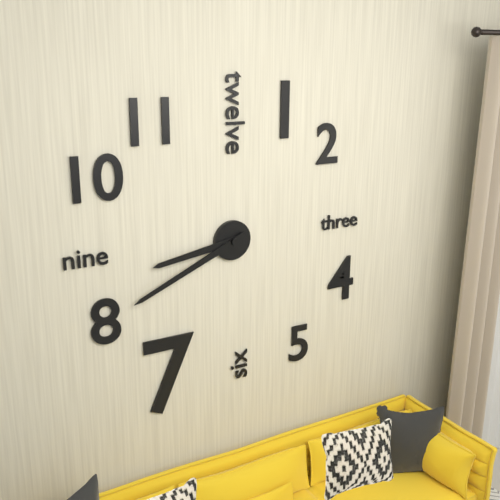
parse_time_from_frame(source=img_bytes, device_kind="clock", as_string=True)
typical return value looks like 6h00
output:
8h41
